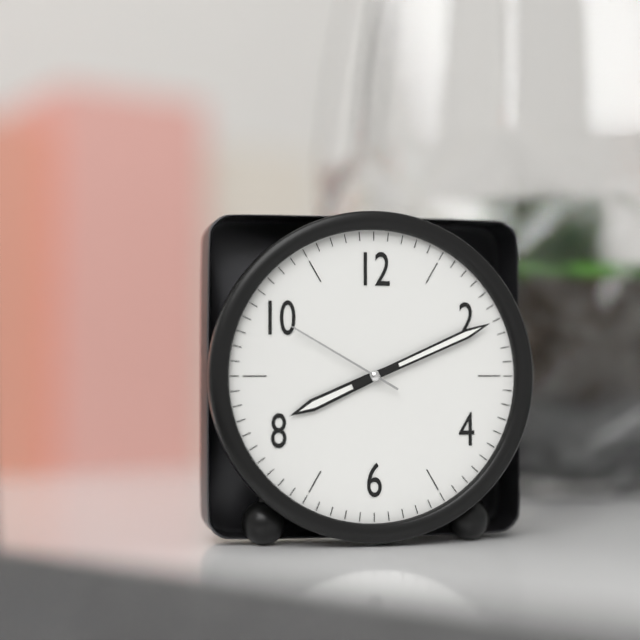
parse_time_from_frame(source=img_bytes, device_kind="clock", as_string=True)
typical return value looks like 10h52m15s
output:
8h11m50s
